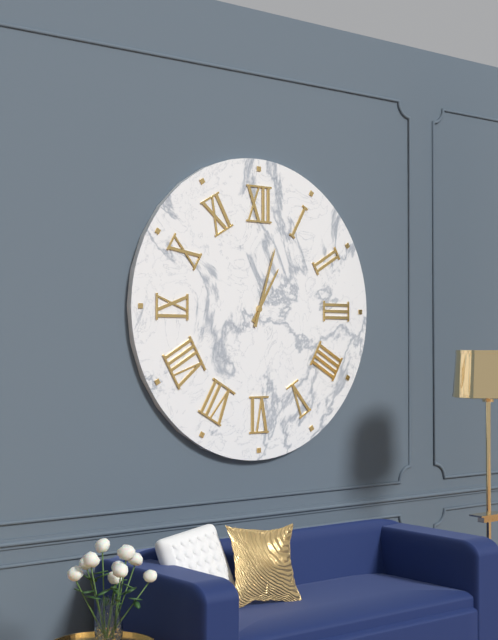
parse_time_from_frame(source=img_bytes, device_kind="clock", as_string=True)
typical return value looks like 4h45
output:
1h03
